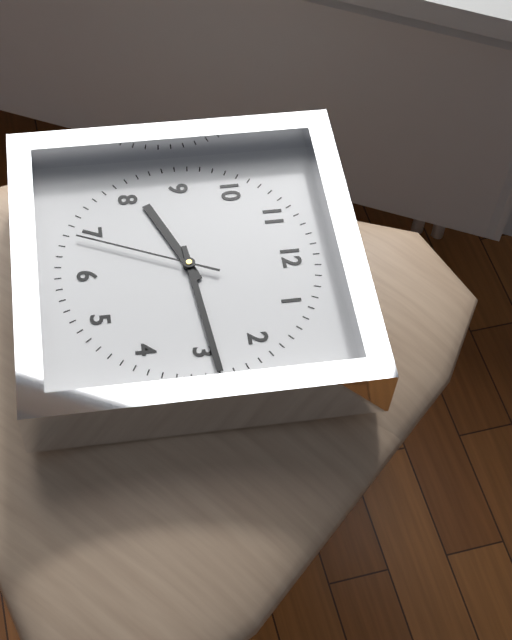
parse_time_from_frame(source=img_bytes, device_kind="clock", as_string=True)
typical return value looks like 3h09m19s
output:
8h14m34s
